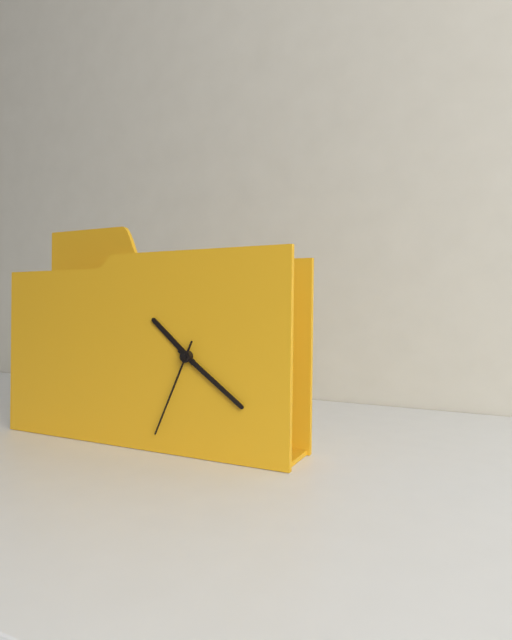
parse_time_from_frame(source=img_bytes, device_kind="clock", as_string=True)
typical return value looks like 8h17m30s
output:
10h21m34s
